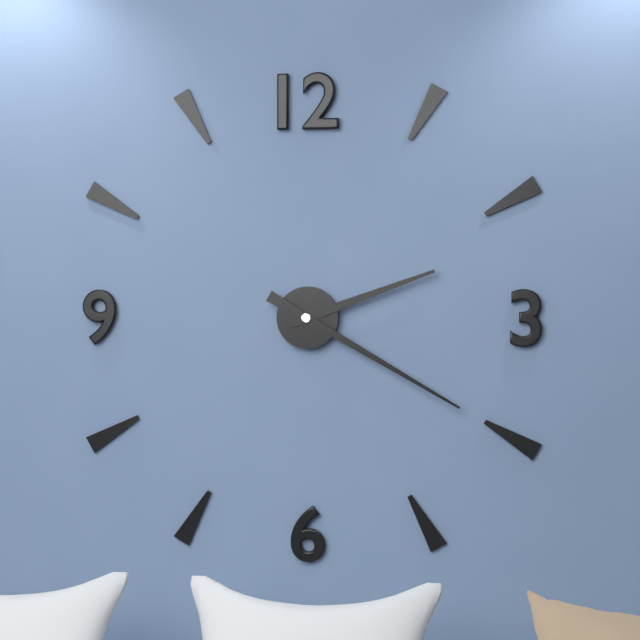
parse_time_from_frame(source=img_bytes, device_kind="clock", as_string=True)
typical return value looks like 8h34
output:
2h20
